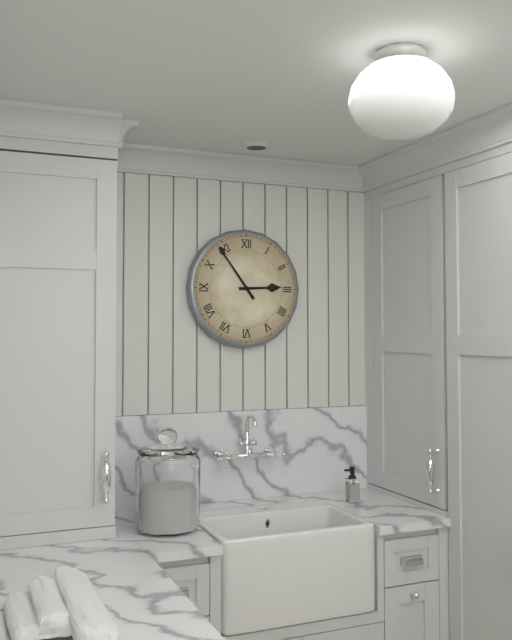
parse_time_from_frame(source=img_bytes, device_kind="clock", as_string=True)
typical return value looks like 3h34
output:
2h54
